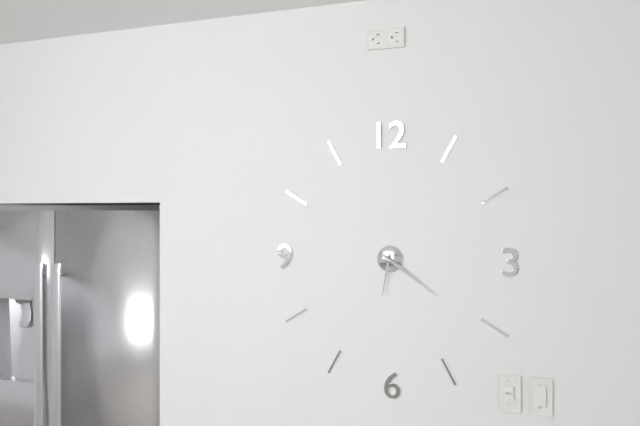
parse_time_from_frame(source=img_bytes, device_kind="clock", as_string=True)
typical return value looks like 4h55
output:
6h21
